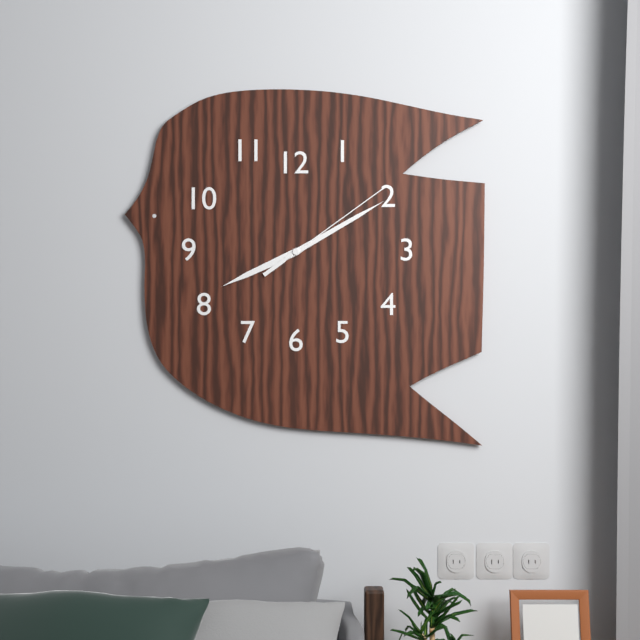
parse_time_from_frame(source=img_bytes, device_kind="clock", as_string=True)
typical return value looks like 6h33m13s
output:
8h10m09s
